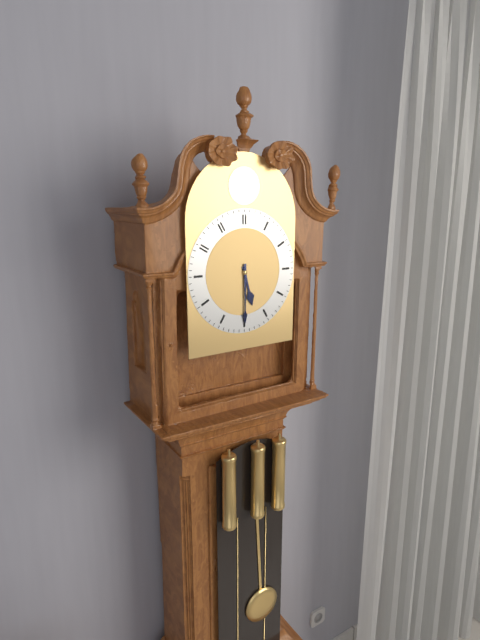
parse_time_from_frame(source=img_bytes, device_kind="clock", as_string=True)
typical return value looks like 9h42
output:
5h30
